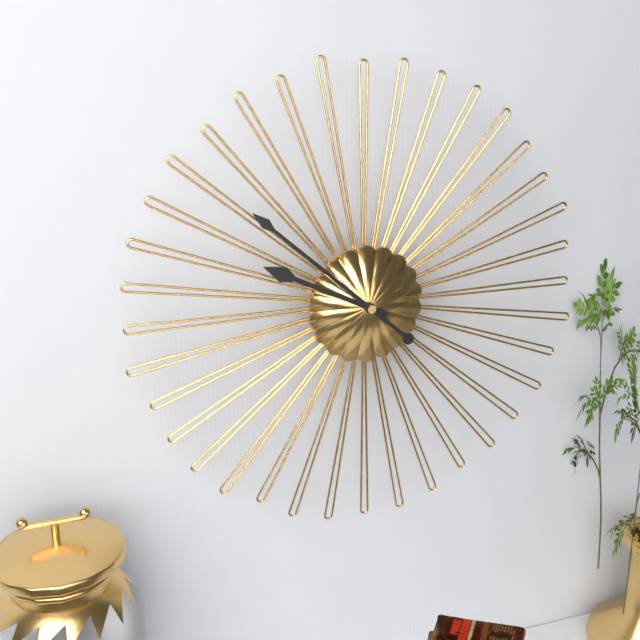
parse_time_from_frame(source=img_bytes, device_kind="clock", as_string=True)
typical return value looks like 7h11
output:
9h52
